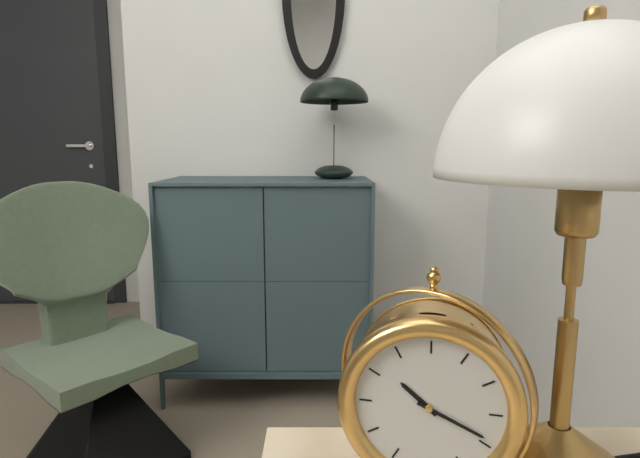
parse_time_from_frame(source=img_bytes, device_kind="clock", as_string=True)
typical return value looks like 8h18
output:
10h19
